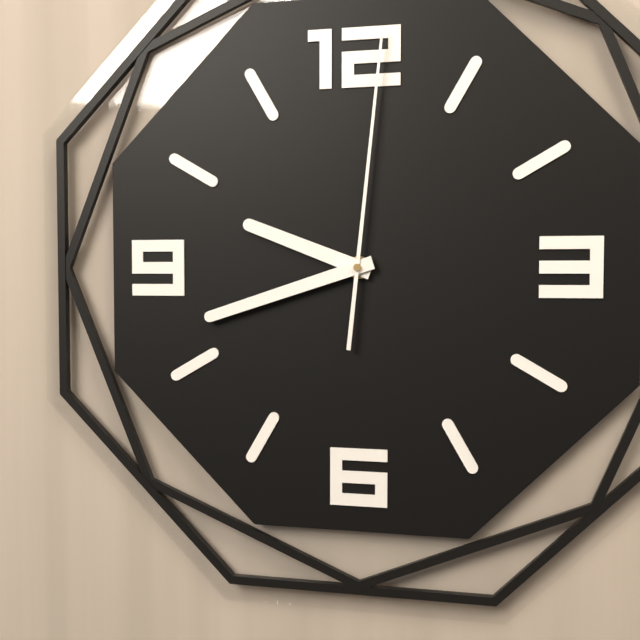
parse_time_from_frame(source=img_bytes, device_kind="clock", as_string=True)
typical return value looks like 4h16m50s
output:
9h42m01s
